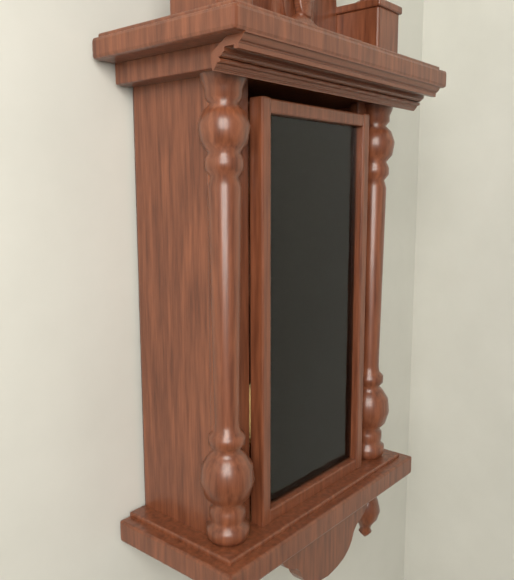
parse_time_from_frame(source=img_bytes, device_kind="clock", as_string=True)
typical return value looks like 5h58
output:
9h21
